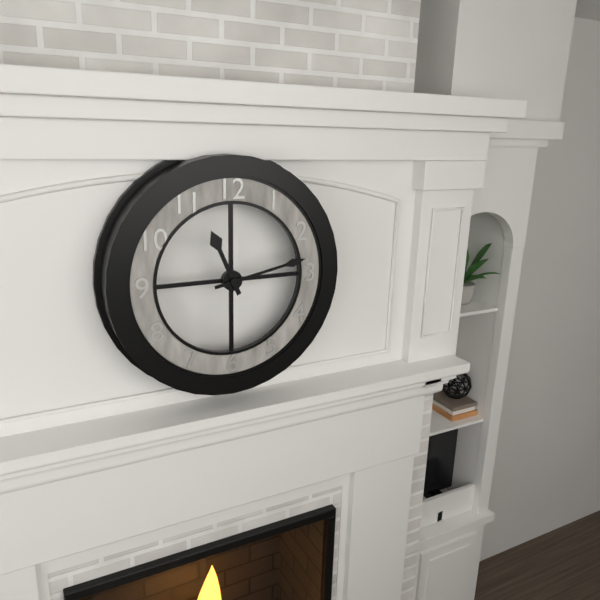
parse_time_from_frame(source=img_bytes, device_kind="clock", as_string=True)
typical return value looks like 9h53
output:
11h13
